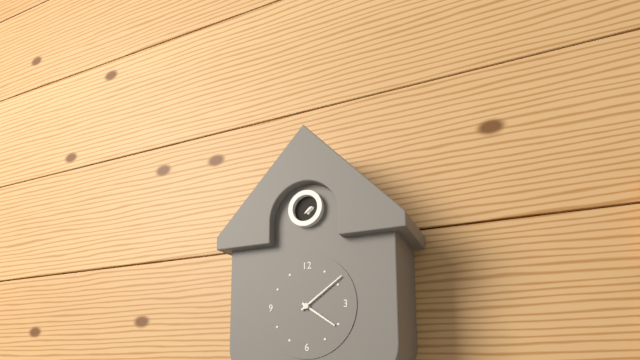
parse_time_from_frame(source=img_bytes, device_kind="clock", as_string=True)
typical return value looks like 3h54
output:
4h09
